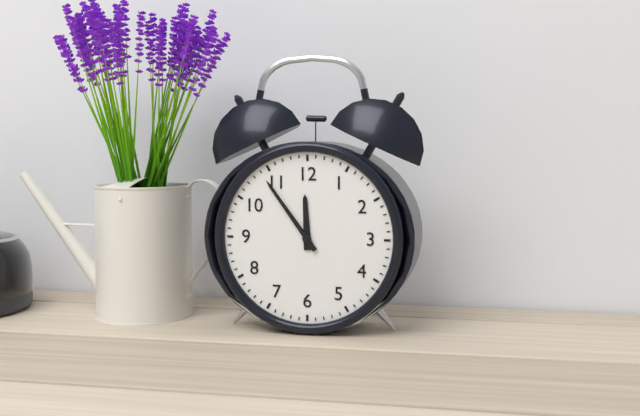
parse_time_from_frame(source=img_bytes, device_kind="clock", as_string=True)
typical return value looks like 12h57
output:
11h54
